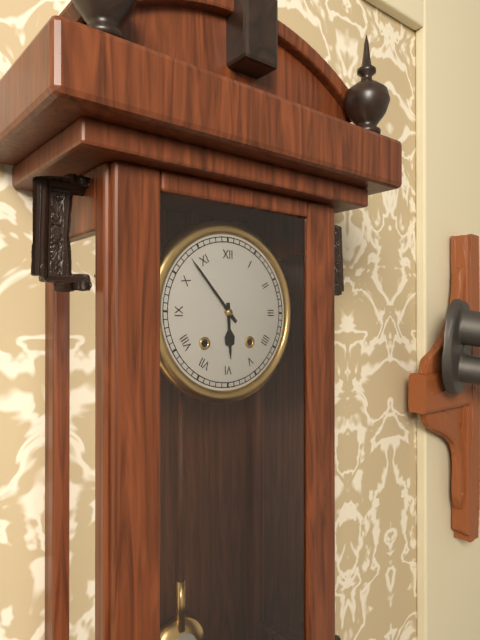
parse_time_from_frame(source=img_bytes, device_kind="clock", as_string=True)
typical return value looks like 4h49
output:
5h53
